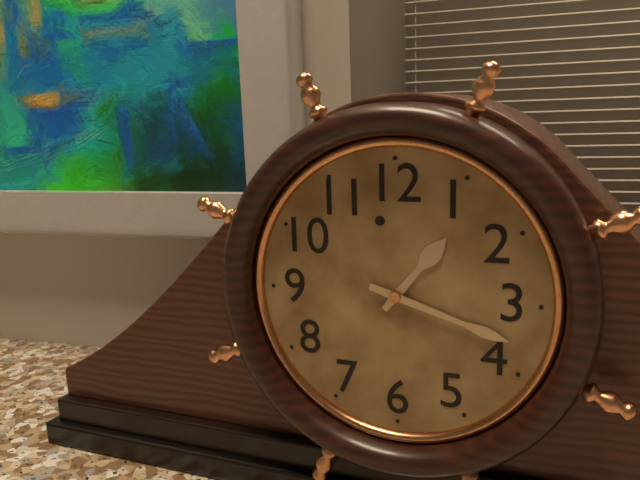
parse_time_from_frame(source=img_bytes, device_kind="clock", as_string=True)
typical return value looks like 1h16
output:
1h18
